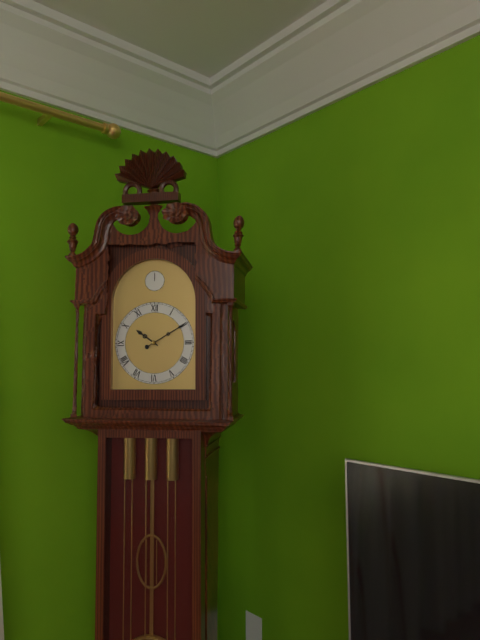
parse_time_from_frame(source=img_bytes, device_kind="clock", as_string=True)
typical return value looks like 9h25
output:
10h10
